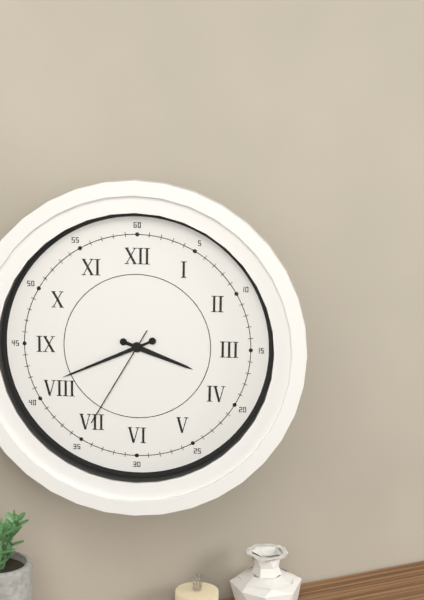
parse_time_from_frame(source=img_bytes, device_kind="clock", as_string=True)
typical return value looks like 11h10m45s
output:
3h41m35s
